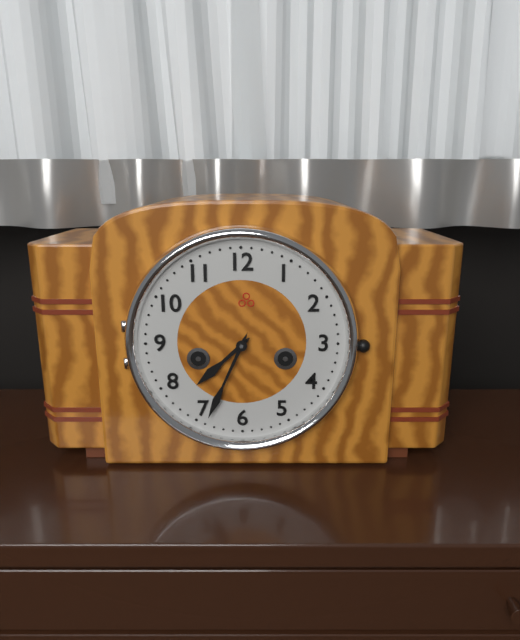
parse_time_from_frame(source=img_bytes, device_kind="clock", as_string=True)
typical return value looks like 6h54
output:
7h34
